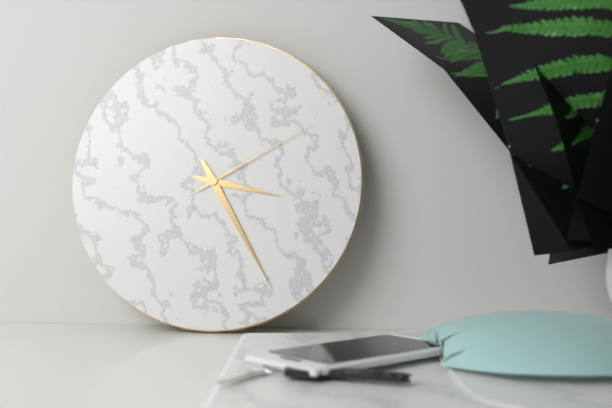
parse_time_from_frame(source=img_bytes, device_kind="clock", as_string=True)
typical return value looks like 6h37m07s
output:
3h25m10s
